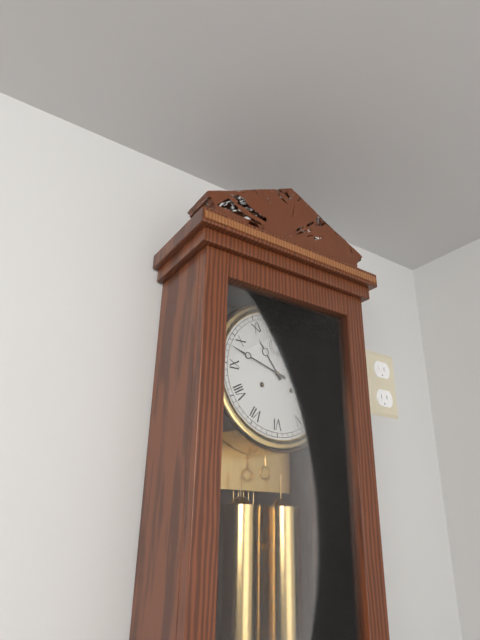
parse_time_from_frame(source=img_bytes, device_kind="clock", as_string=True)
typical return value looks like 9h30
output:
10h48
